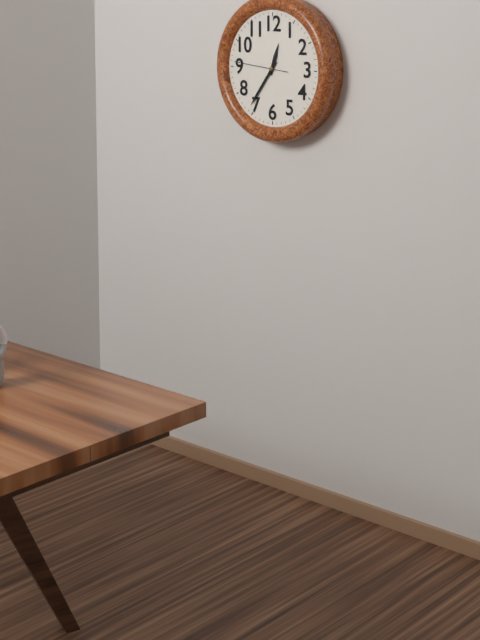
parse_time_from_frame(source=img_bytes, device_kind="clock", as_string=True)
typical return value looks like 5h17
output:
12h36
